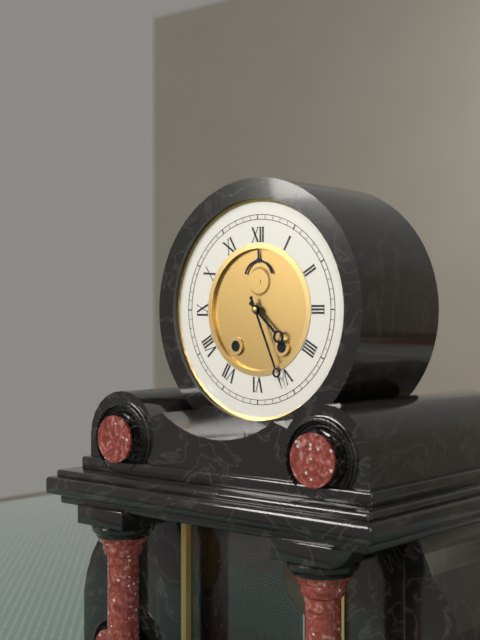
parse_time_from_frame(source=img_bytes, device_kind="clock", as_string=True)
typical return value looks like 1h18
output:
4h26
